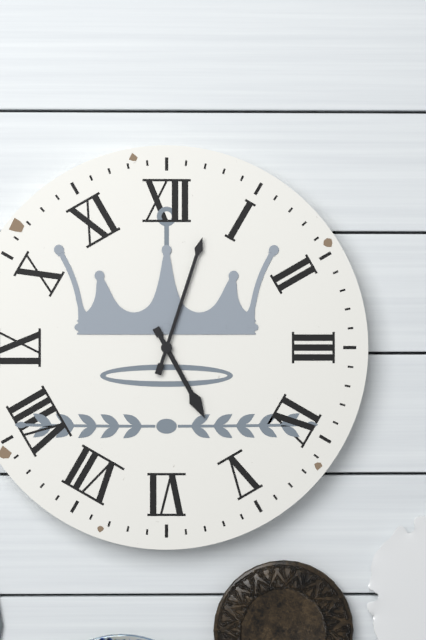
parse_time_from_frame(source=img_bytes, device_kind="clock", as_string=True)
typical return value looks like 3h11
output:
5h03
